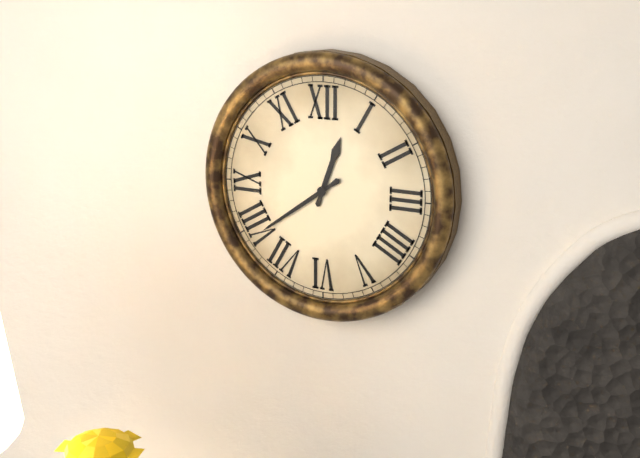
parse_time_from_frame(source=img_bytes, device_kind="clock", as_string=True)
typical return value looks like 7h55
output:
12h39
